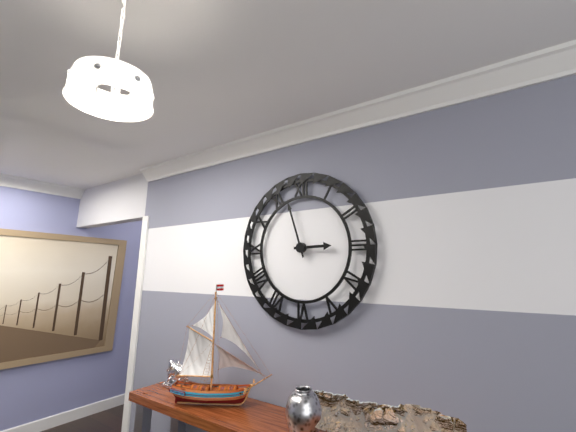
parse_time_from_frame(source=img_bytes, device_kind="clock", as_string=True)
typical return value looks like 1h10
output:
2h57
